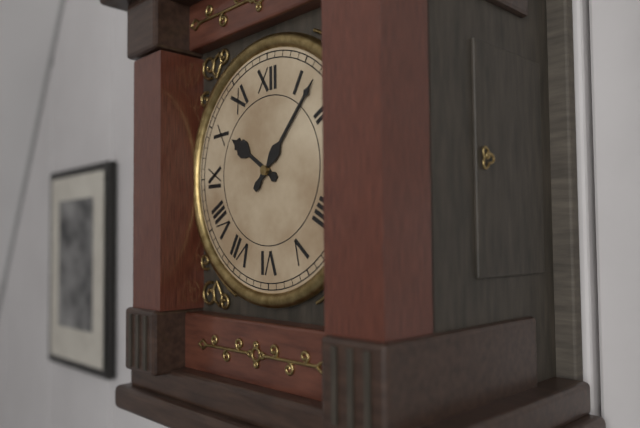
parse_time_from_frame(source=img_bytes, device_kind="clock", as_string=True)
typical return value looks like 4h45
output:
10h07
